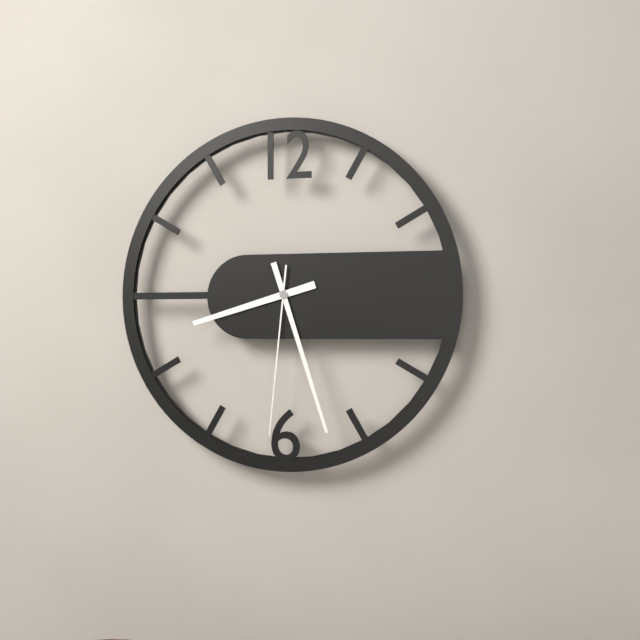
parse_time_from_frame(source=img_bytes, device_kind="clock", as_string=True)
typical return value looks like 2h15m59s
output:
8h27m31s
